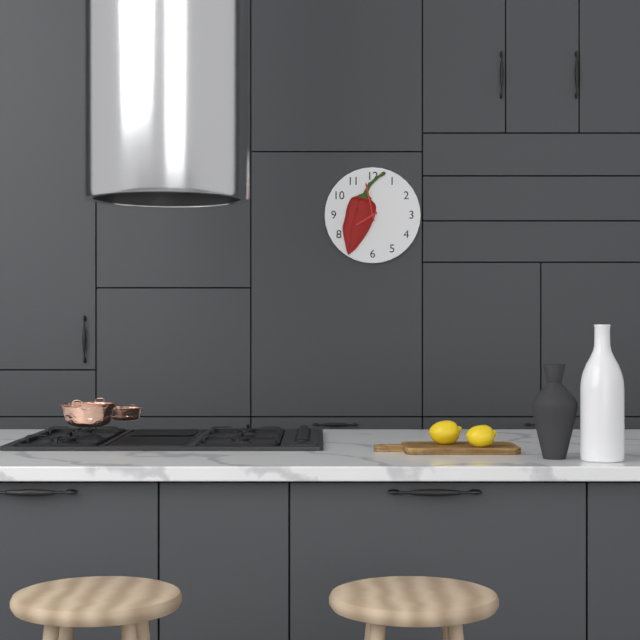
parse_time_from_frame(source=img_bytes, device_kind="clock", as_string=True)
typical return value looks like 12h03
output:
7h58
